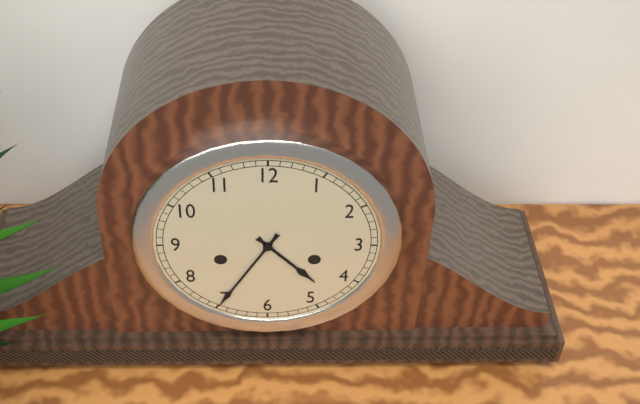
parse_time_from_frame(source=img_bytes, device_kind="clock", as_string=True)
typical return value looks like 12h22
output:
4h35
